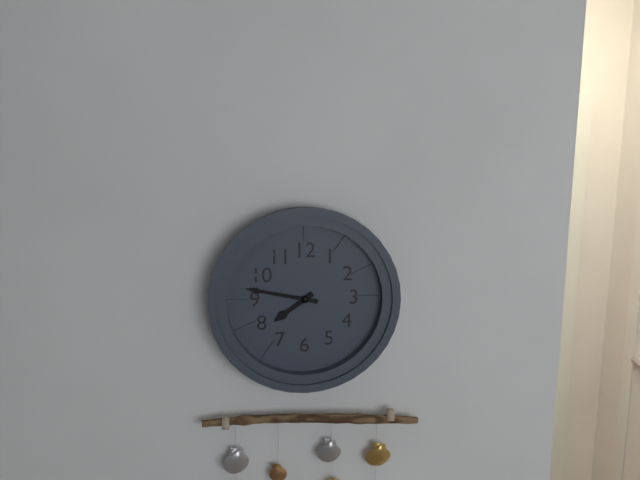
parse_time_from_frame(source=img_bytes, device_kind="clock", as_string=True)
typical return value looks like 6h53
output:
7h47
